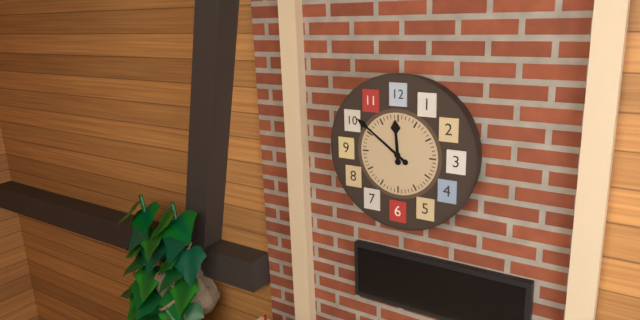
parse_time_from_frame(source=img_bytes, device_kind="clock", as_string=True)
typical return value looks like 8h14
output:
11h51
